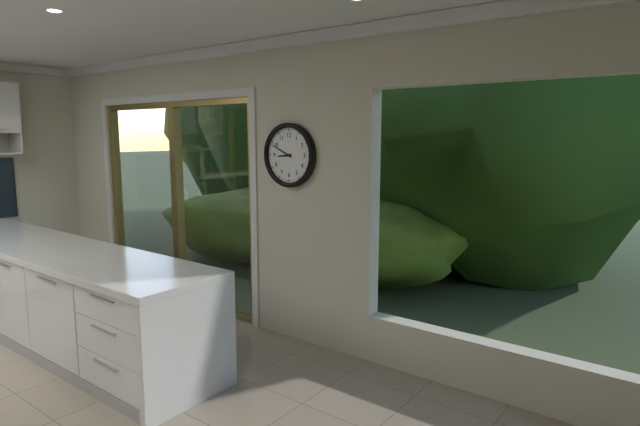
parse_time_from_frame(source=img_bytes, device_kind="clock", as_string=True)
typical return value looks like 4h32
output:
8h49
